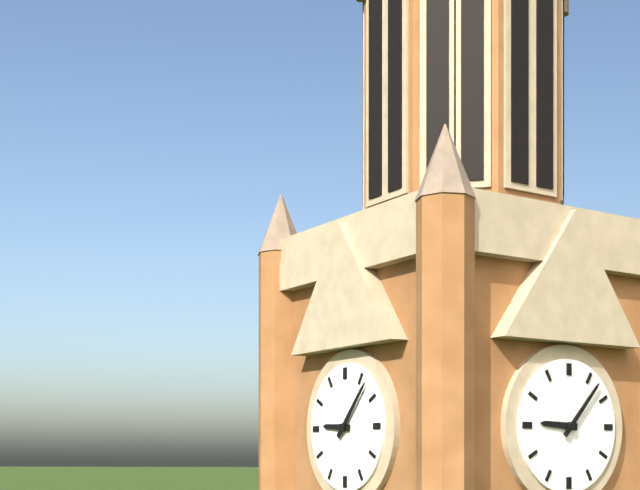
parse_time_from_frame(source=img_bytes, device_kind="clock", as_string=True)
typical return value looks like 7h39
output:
9h07
